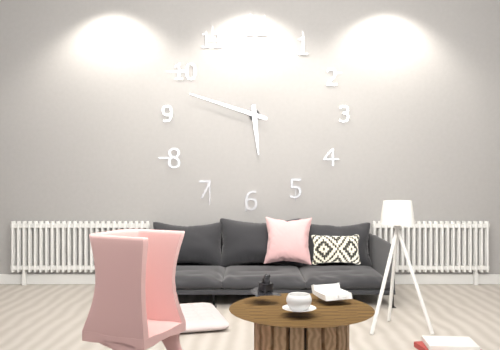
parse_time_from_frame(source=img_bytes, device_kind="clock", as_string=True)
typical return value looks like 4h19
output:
5h48
